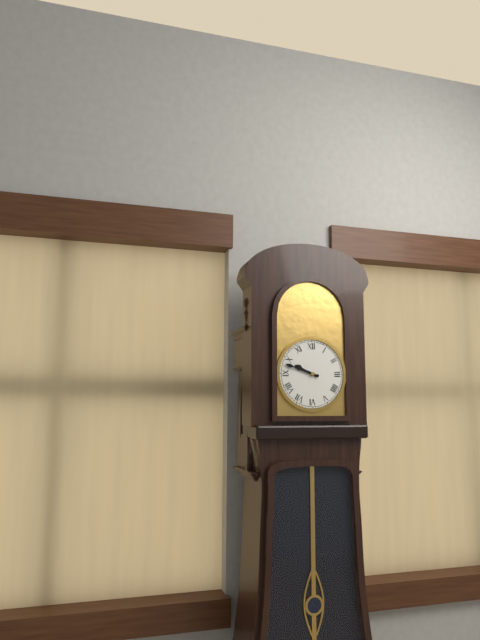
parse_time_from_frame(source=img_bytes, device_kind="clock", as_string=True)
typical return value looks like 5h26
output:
9h48
